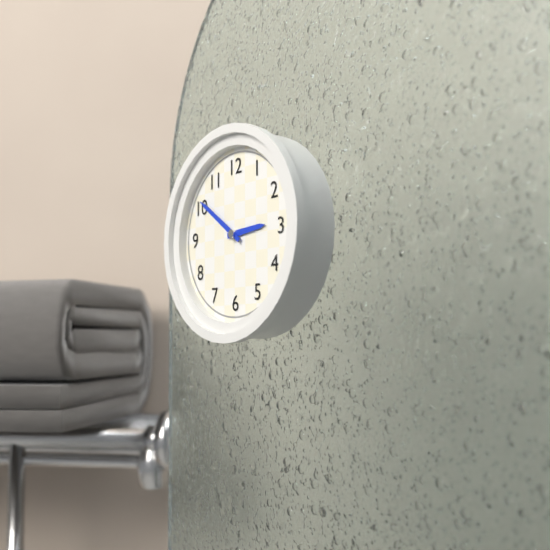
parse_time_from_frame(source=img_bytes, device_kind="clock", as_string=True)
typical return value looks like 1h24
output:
2h51
